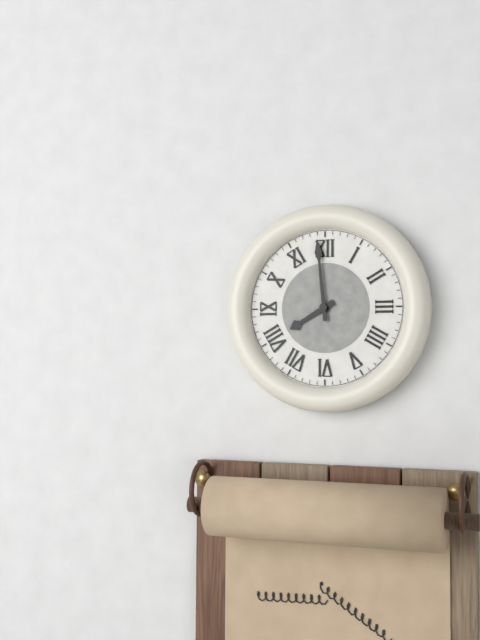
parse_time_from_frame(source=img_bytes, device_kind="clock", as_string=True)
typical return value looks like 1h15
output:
7h59
